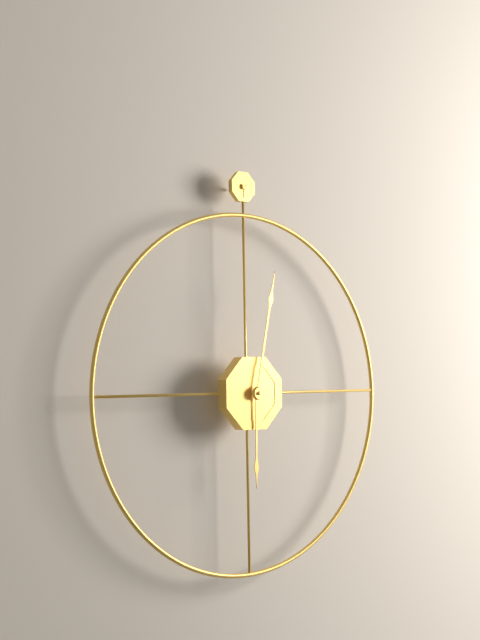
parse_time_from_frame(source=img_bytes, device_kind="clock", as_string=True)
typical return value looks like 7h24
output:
6h02
